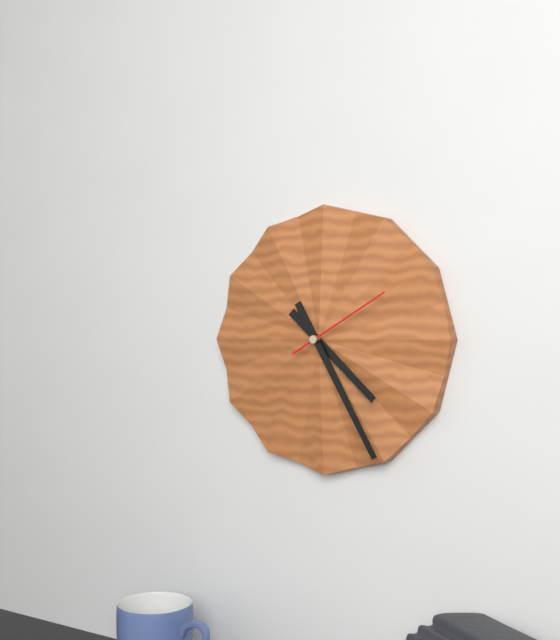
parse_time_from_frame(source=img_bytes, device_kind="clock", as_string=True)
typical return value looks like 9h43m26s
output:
4h25m10s
